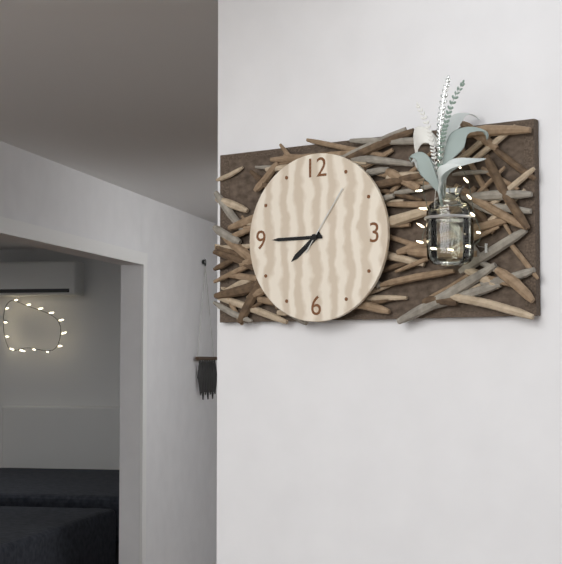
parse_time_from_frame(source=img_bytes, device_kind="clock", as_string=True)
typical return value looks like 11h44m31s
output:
7h45m06s
